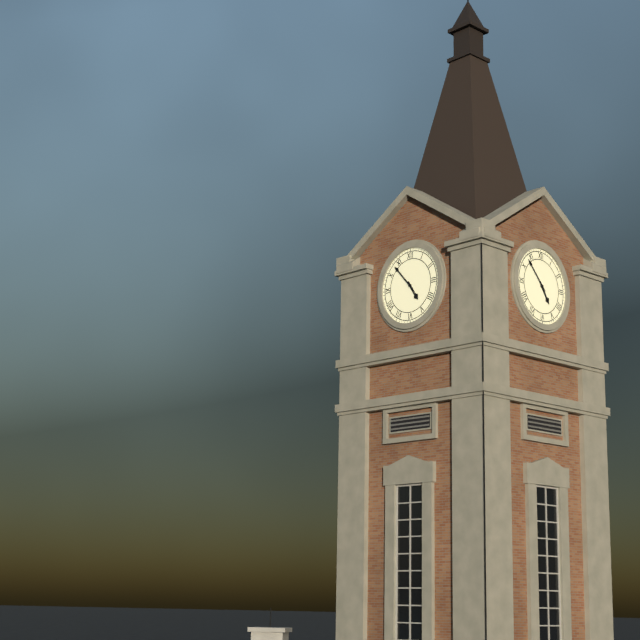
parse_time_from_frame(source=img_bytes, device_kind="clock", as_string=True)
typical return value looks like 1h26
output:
4h53
